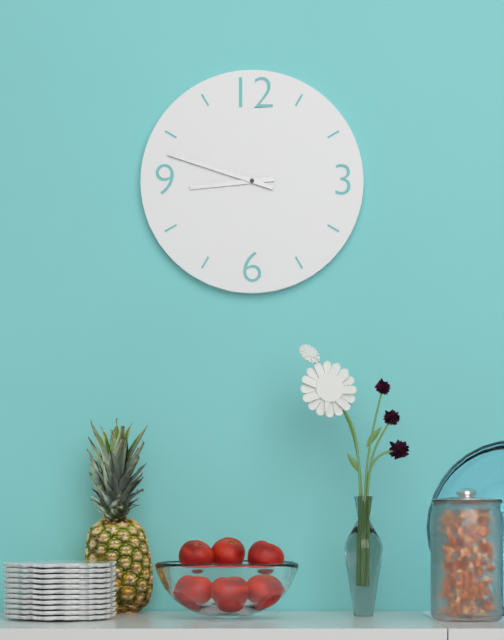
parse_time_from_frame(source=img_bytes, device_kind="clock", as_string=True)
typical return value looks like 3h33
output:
8h48
